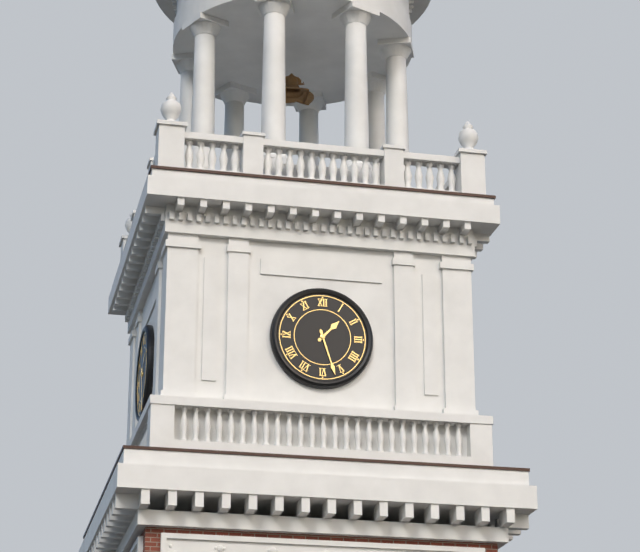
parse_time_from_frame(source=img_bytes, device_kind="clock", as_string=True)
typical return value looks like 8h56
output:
1h27
